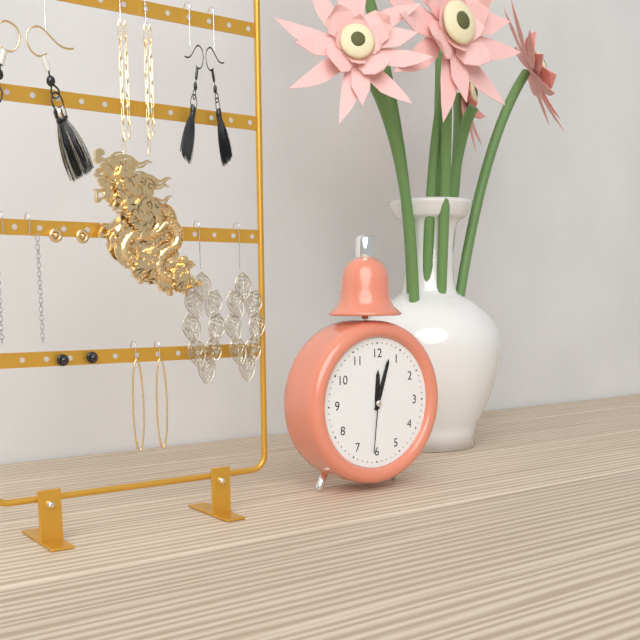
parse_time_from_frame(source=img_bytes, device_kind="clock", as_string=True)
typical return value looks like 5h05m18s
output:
12h03m31s
